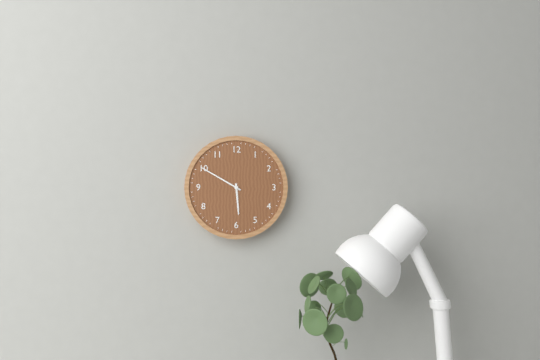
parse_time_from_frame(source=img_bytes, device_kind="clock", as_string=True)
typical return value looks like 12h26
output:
5h50
